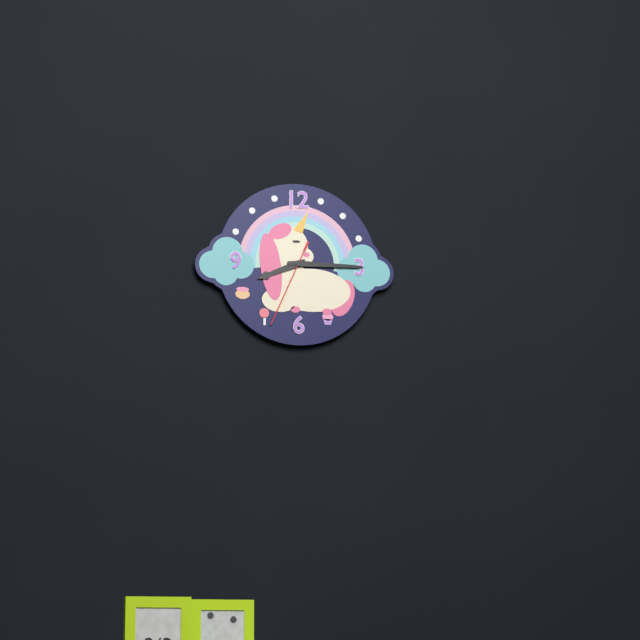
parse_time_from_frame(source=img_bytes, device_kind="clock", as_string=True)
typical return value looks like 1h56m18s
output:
8h15m34s
